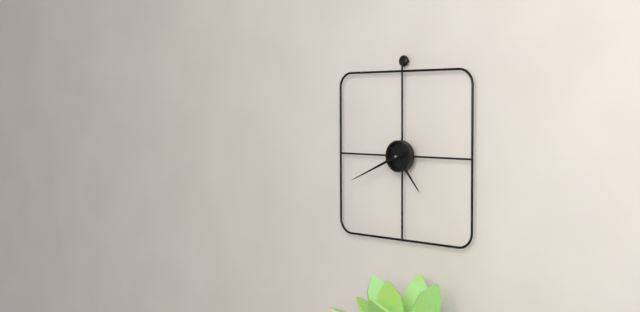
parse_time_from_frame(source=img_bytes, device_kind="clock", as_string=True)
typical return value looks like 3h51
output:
4h41
